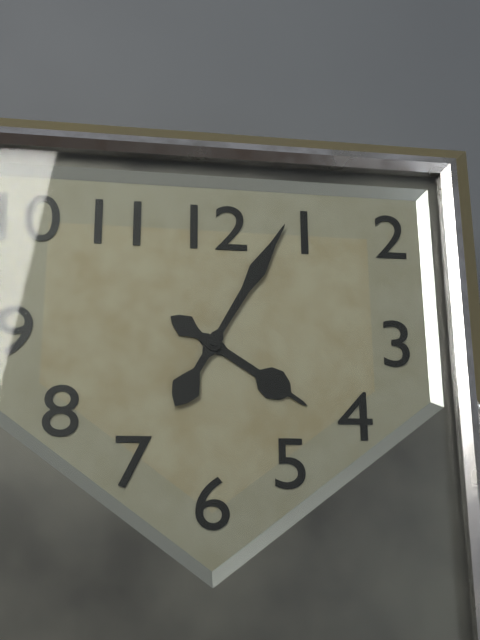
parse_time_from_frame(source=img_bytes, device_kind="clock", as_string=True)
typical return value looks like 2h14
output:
4h05
